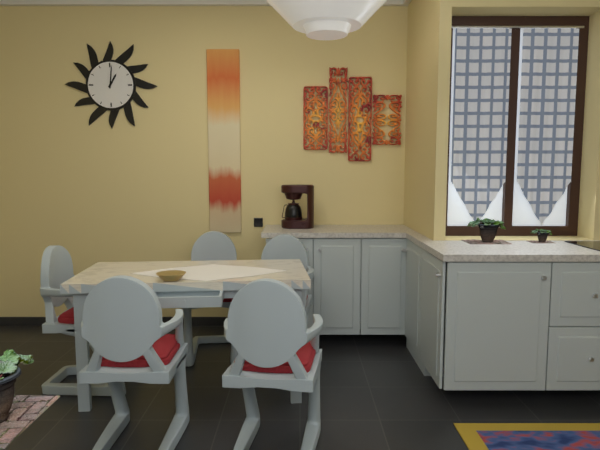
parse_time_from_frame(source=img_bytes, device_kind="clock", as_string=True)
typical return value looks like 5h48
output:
1h01
